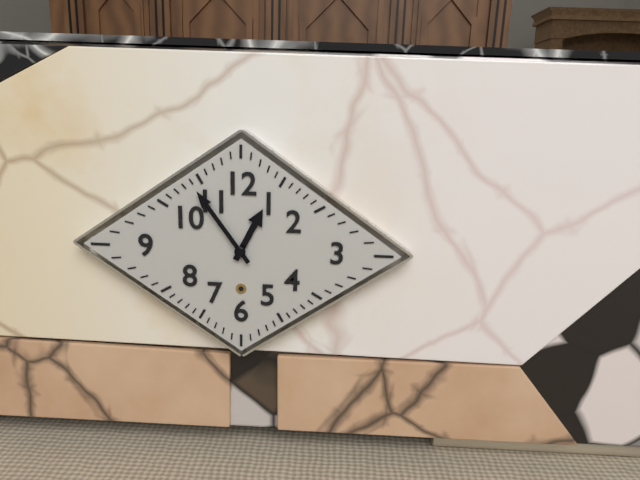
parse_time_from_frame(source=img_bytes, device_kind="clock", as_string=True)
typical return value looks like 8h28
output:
12h54
